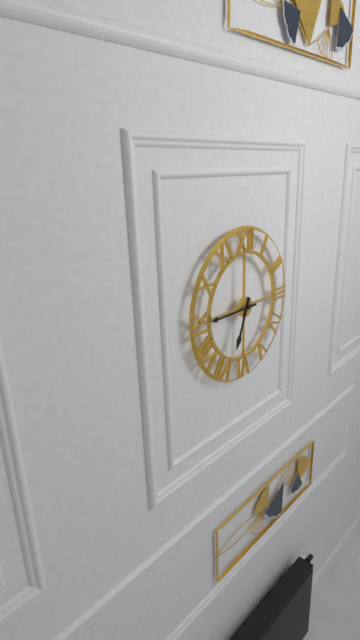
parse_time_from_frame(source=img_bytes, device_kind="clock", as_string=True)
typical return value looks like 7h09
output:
6h45
